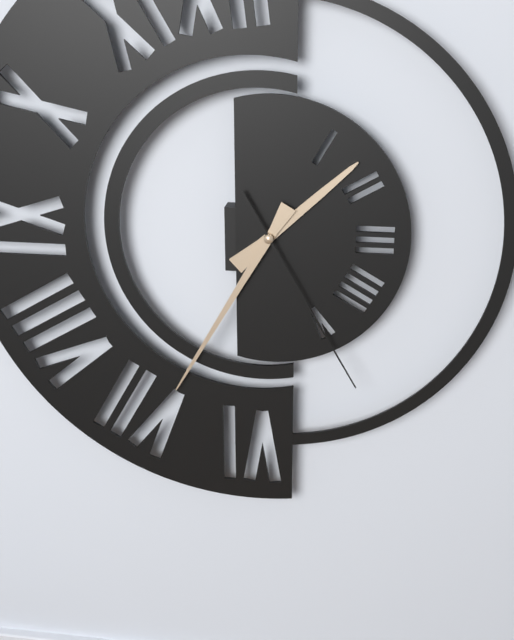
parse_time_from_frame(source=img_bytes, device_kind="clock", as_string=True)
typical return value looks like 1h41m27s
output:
1h35m25s
